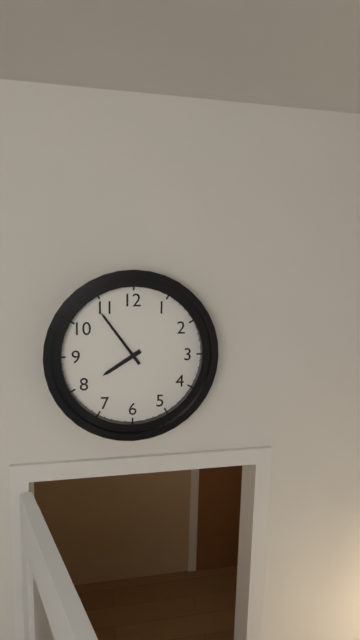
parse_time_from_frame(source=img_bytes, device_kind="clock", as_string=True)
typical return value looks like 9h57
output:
7h54
